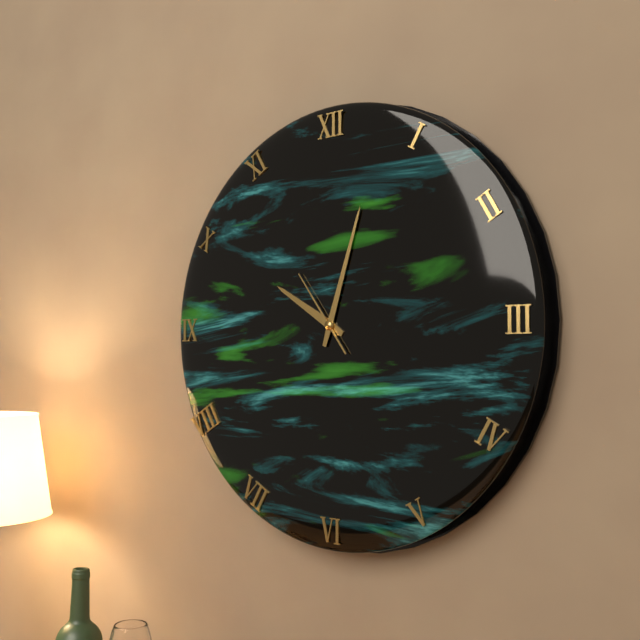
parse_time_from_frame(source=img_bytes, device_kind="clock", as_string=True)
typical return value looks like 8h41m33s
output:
10h03m54s
